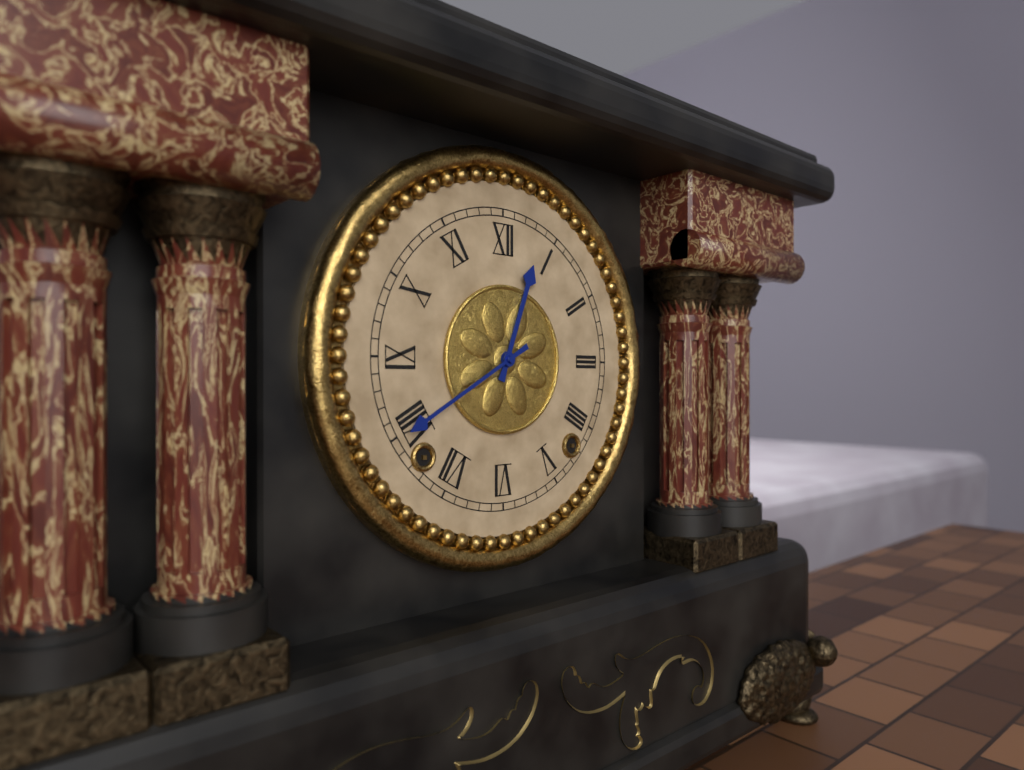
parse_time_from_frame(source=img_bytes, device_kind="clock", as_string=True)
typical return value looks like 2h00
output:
12h40
